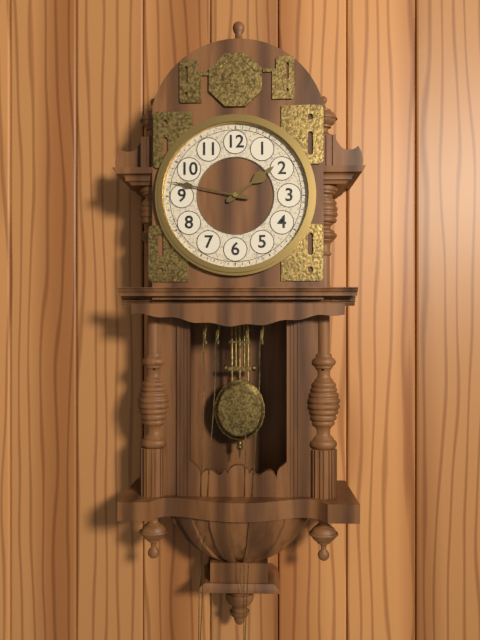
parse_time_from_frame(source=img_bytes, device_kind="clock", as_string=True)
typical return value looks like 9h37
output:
1h47
